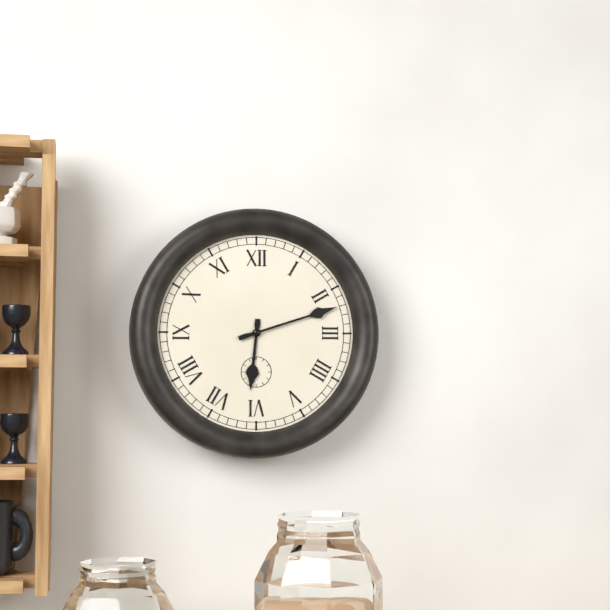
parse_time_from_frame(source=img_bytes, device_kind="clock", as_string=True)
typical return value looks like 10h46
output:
6h12
